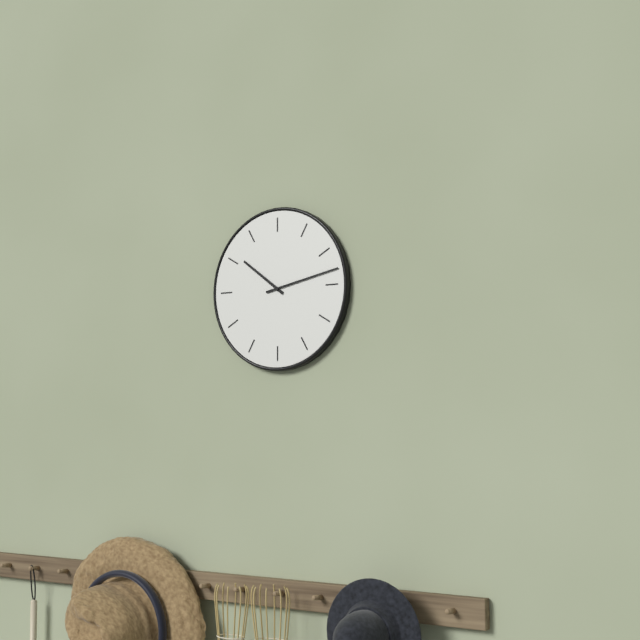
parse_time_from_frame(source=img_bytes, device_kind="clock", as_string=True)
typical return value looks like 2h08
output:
10h13
